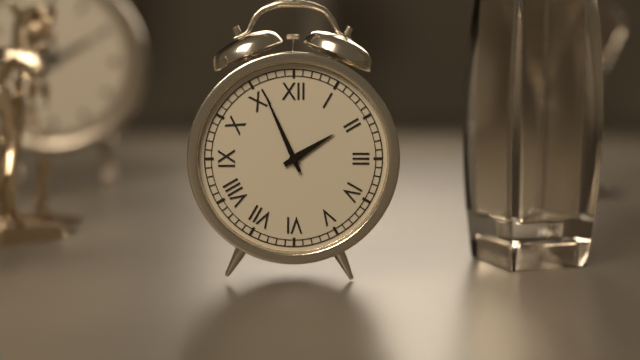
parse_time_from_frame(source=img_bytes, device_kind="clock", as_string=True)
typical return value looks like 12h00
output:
1h56
